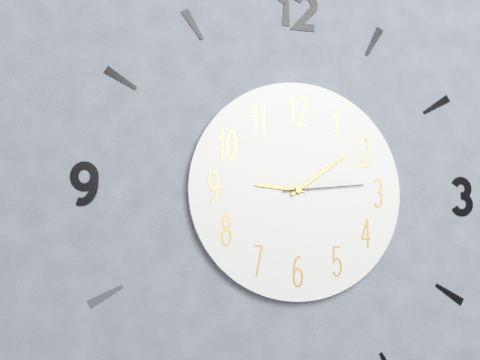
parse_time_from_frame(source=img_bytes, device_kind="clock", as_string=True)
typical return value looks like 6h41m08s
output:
9h09m14s
